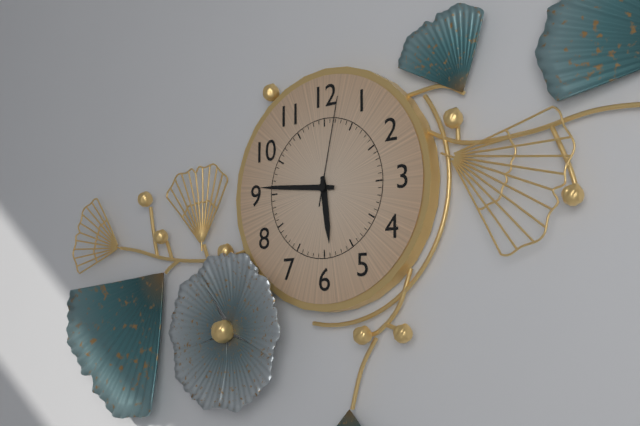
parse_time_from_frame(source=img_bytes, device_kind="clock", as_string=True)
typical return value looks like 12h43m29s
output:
5h46m02s
